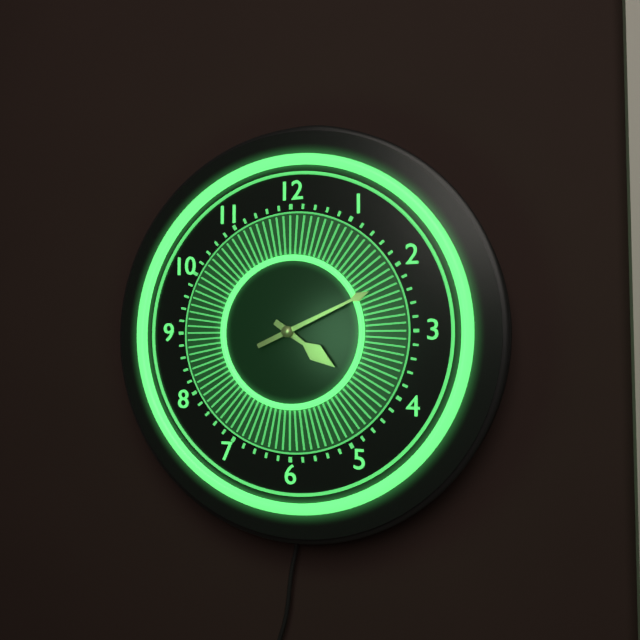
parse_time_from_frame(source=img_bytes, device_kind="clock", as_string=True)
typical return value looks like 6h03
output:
4h11
